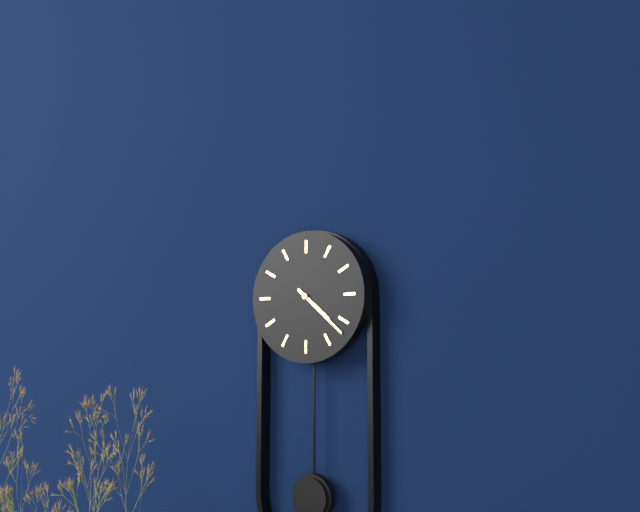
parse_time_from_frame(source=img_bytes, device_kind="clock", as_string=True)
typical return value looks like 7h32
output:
4h22
